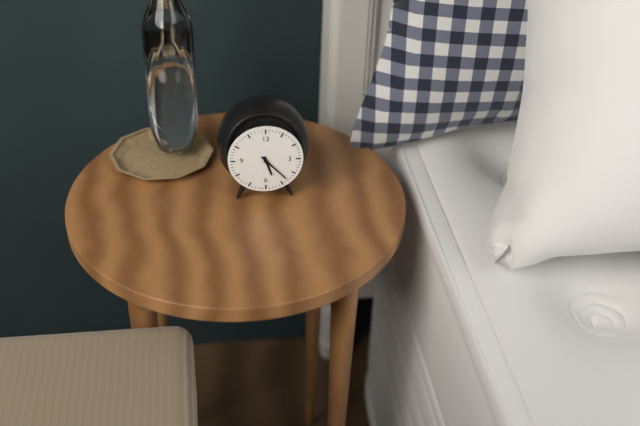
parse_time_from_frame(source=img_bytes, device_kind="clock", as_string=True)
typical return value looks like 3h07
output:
5h23
